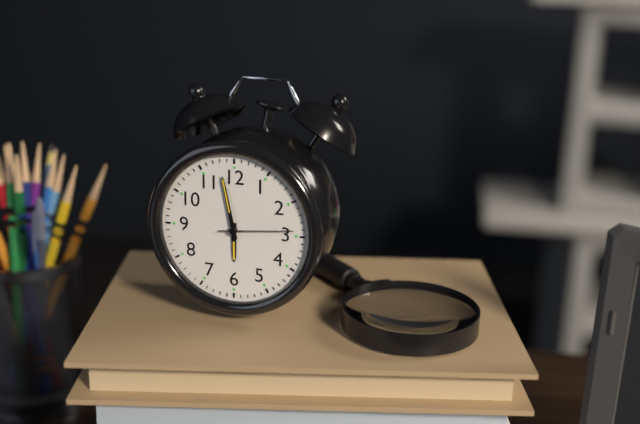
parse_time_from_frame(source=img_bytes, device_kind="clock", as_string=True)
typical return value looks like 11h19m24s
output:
5h58m14s
